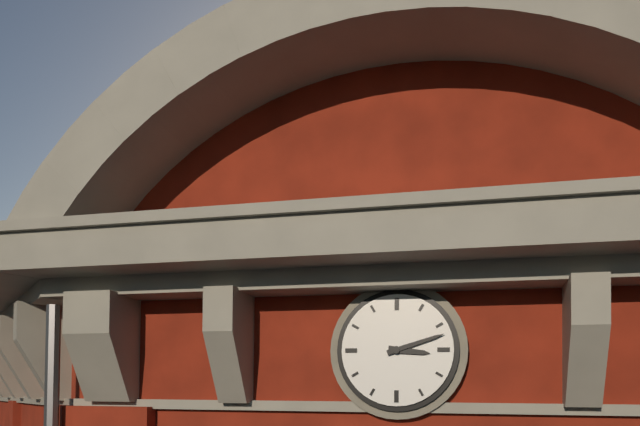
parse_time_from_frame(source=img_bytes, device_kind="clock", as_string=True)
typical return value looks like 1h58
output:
3h12
